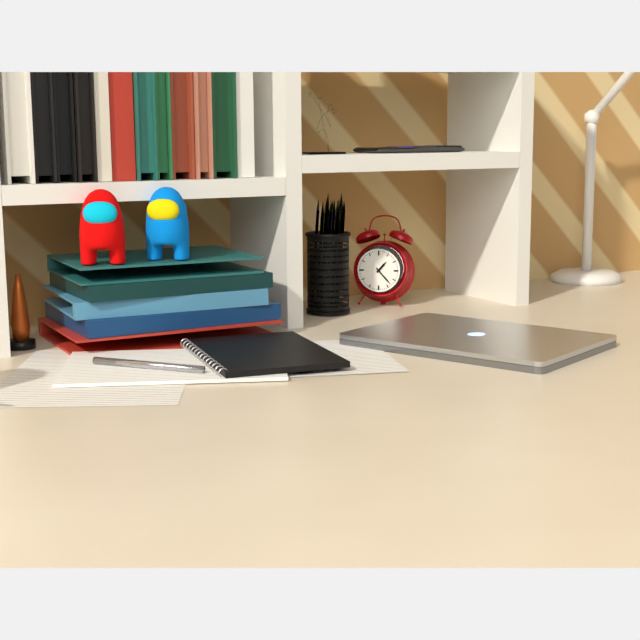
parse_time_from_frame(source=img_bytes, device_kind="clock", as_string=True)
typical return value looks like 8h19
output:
1h23
